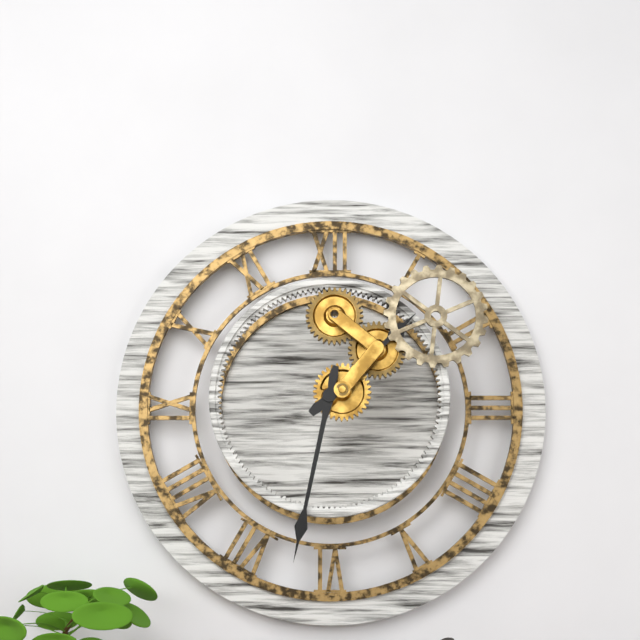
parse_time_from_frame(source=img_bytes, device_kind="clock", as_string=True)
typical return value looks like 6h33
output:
1h32
